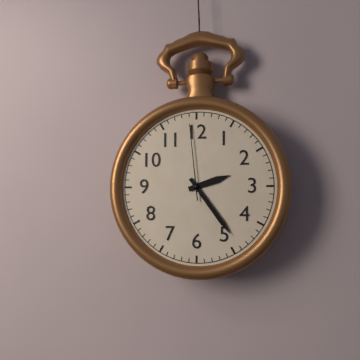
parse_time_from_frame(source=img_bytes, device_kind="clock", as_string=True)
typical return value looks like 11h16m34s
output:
2h24m59s
